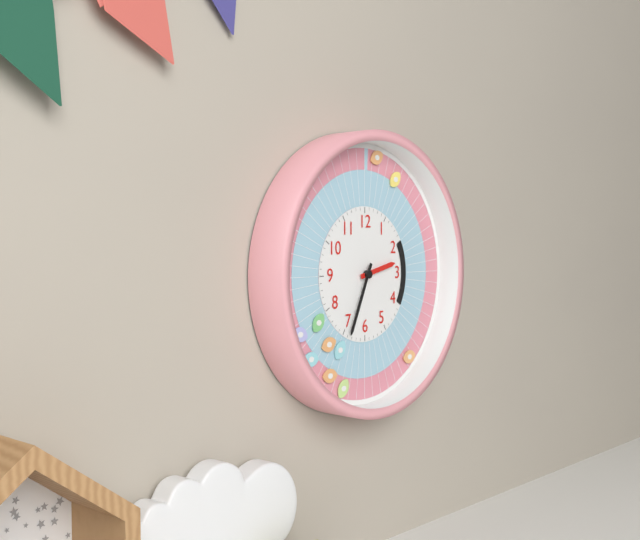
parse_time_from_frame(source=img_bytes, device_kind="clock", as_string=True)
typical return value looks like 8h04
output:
2h34
